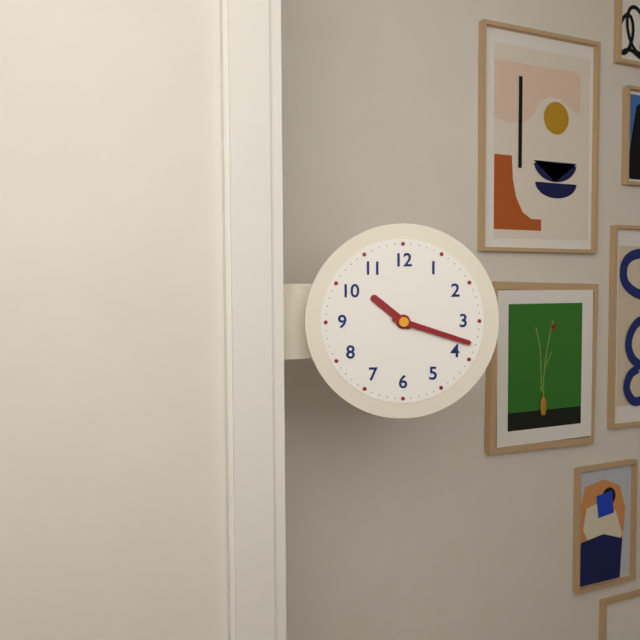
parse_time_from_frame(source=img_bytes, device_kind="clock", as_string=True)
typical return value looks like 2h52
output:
10h18
